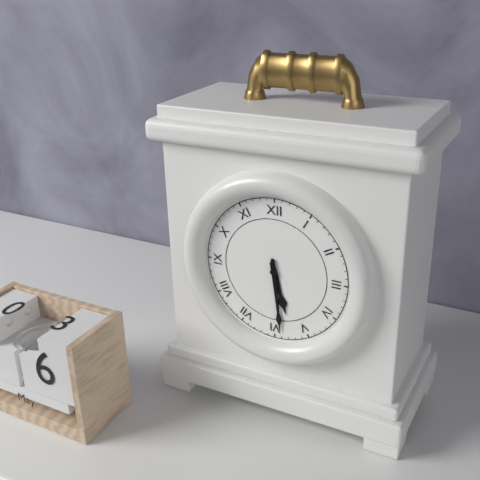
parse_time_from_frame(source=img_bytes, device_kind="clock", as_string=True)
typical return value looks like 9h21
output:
5h29
